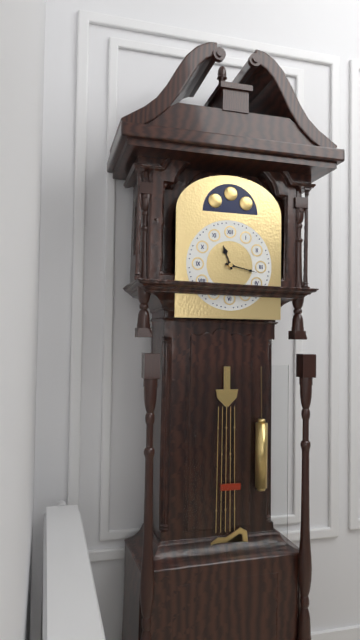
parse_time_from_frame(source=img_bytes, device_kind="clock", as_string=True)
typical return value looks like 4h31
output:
11h17
